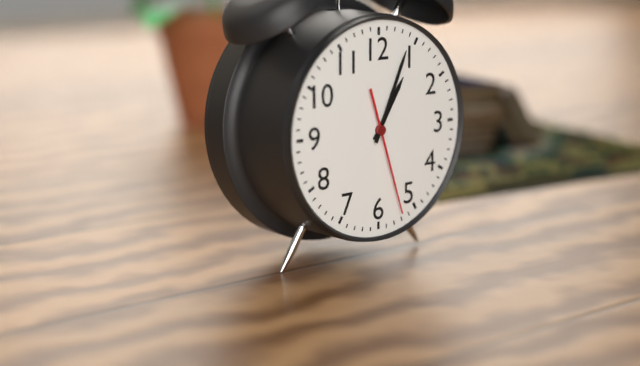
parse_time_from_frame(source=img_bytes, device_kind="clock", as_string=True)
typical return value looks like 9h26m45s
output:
1h04m27s
